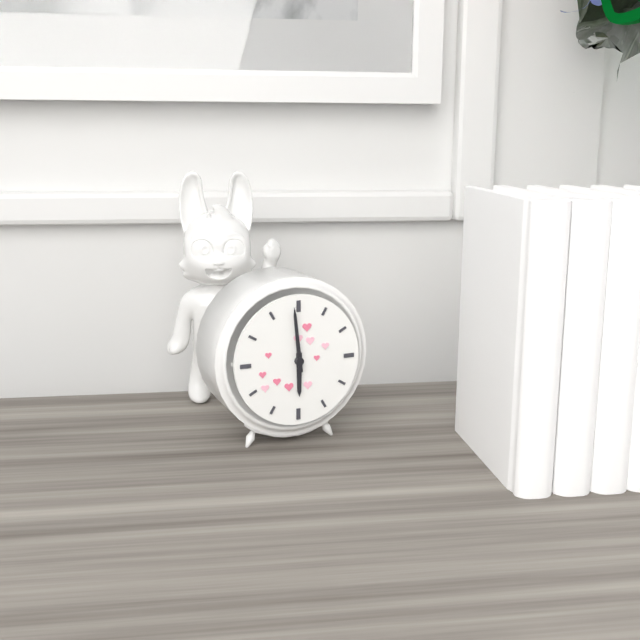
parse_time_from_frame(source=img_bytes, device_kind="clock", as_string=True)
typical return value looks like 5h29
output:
5h59
